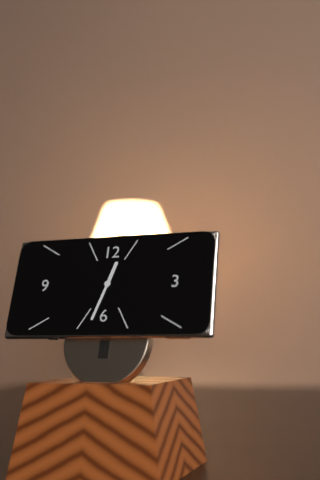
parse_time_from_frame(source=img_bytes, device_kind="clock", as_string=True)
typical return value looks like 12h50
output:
12h33
